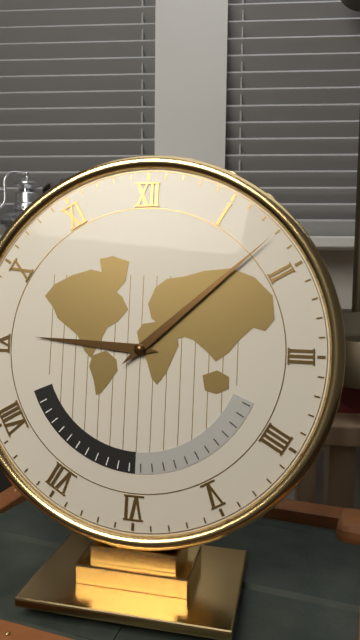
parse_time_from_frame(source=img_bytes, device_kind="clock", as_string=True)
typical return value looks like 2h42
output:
9h08
